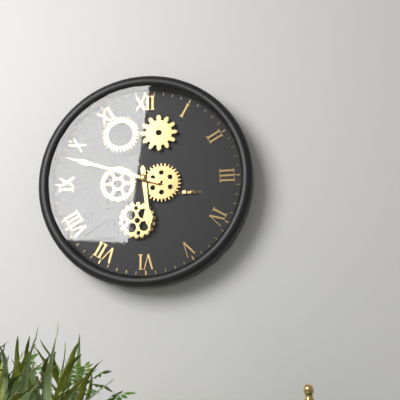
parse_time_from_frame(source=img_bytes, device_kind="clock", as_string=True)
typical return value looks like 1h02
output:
5h48
